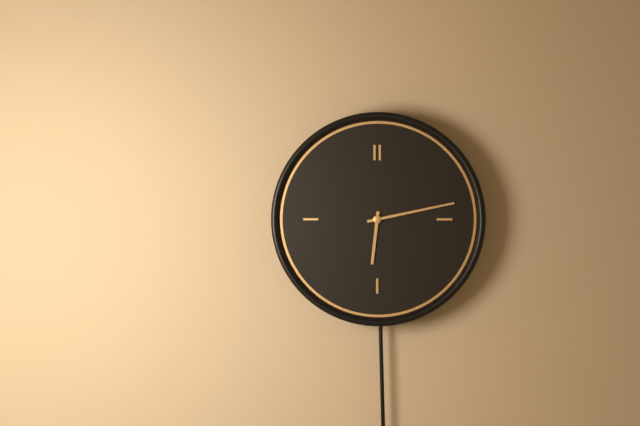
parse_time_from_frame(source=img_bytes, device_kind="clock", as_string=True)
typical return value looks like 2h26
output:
6h13
